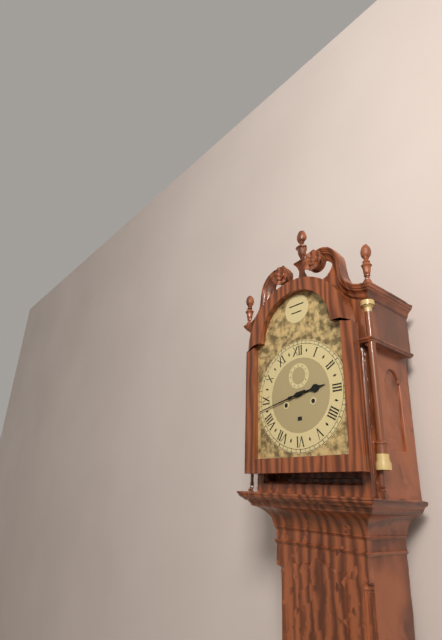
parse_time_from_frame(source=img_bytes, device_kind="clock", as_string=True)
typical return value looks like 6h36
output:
2h43
